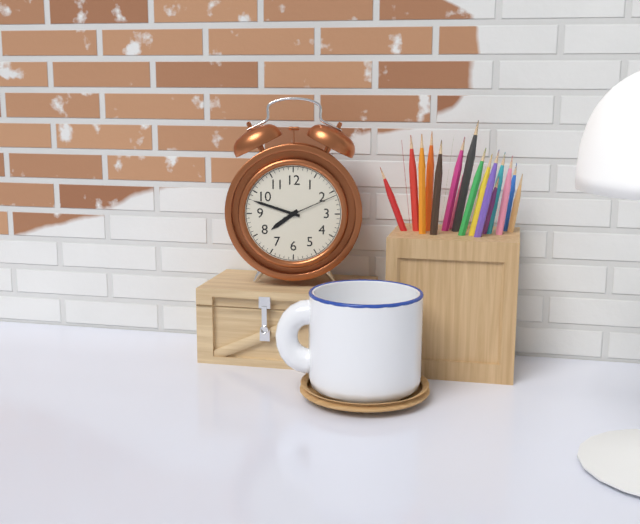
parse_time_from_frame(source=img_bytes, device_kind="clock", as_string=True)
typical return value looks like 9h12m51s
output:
7h48m11s
